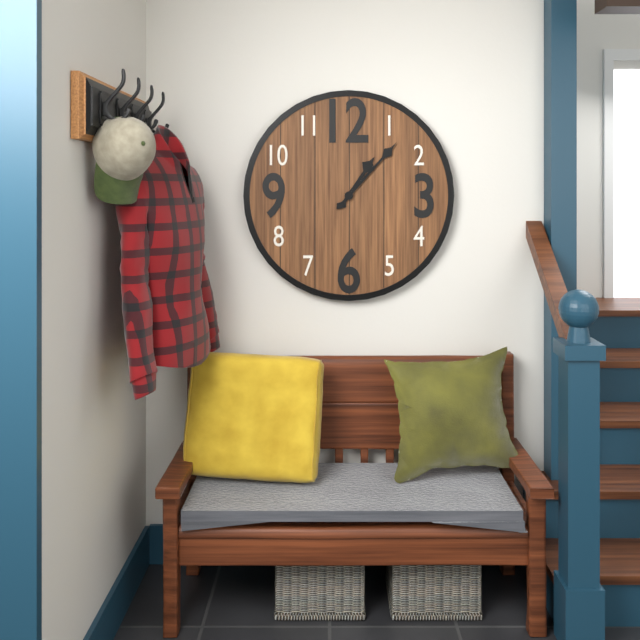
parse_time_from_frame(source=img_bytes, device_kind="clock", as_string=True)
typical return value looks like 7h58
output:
1h07
